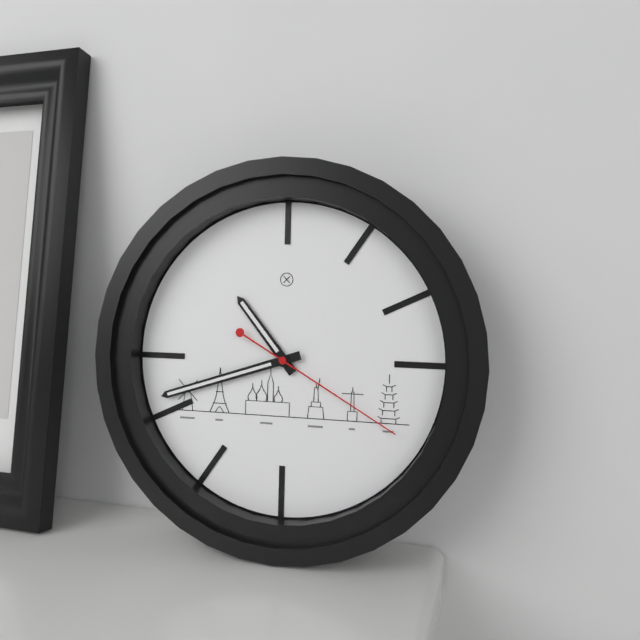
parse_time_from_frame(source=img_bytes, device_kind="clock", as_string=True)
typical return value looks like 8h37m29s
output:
10h42m20s
